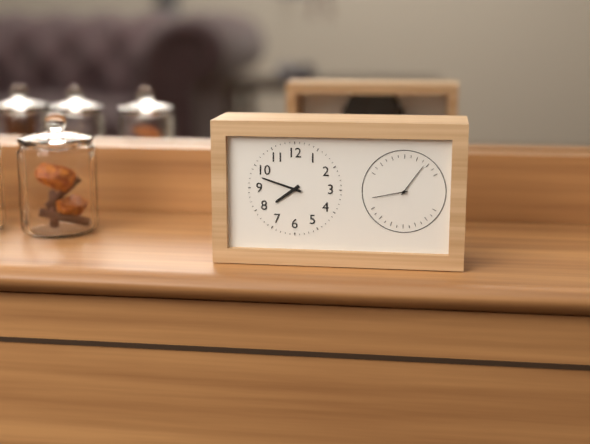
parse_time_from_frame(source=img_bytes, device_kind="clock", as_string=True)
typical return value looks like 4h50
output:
7h48
